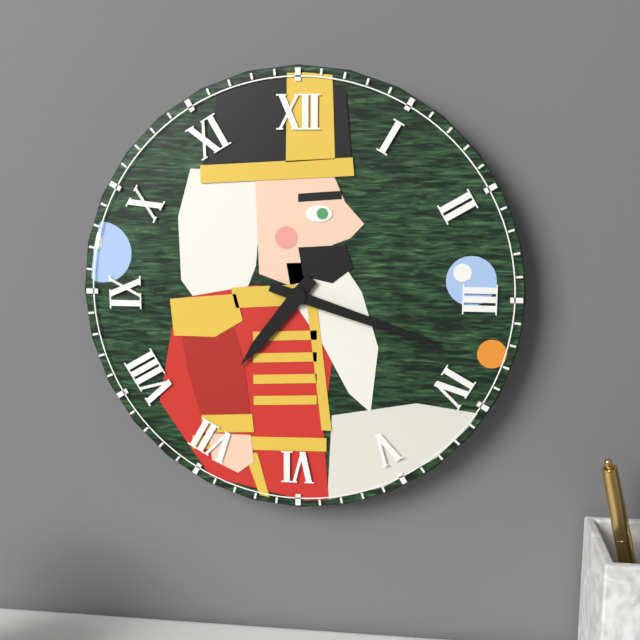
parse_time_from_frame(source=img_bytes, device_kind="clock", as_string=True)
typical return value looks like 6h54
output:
7h18
